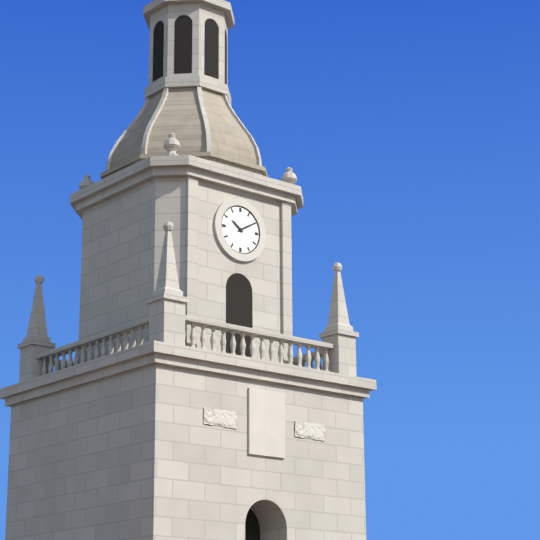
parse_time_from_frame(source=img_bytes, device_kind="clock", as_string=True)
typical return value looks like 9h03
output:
10h10
